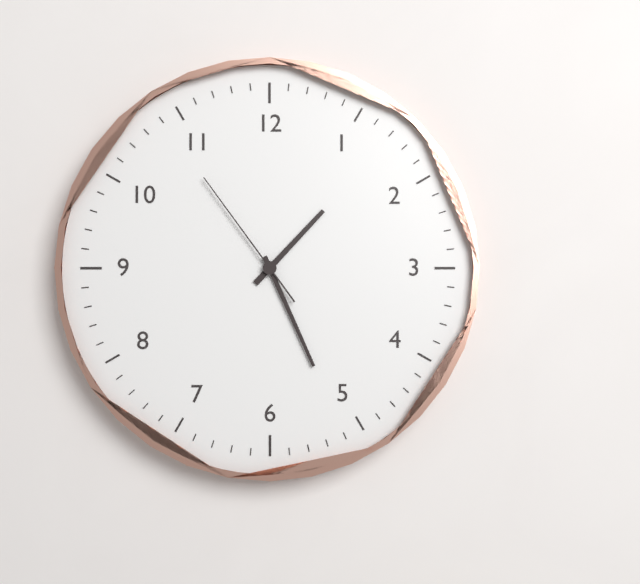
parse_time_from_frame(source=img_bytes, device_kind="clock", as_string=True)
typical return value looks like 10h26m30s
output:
1h26m54s
